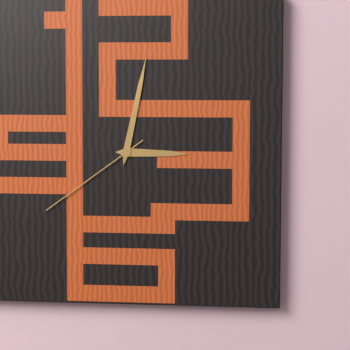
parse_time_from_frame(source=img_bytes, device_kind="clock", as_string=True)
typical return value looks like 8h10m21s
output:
3h02m39s
